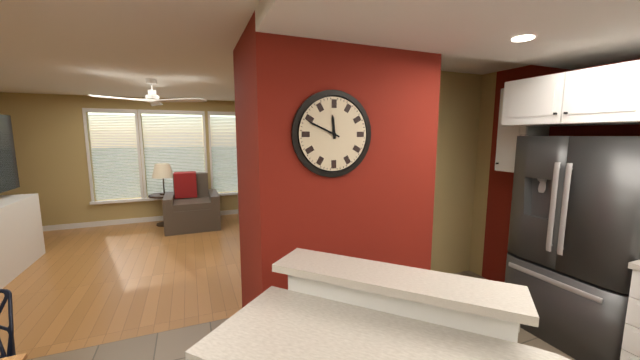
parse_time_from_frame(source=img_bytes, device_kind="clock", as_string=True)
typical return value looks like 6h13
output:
11h49
